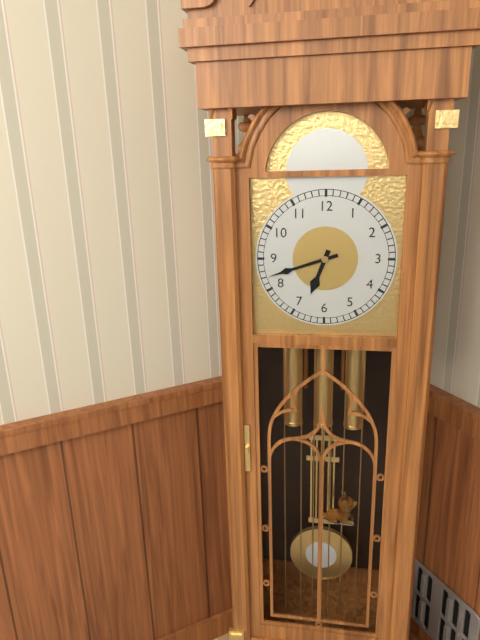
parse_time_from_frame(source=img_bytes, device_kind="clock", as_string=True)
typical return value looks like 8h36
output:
6h42
